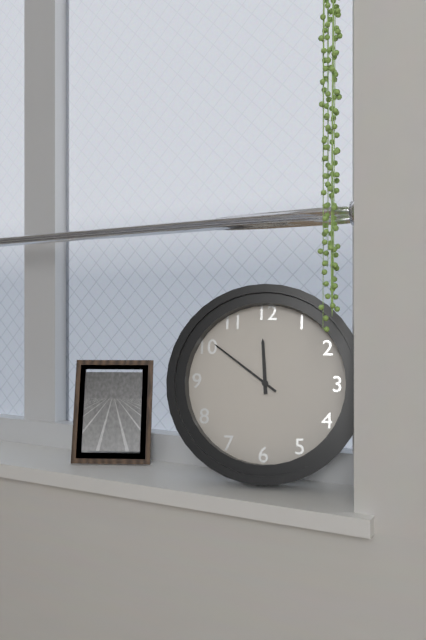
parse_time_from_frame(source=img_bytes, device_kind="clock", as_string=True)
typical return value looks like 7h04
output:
11h51
